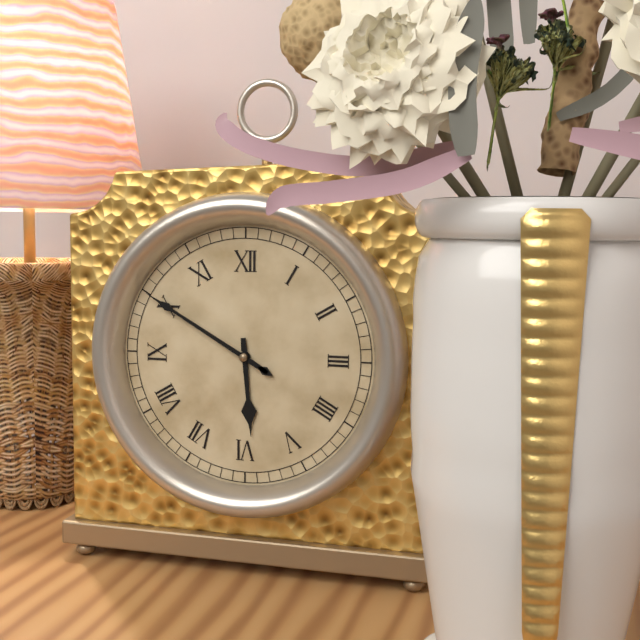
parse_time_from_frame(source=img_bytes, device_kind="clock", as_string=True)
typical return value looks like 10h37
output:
5h50
